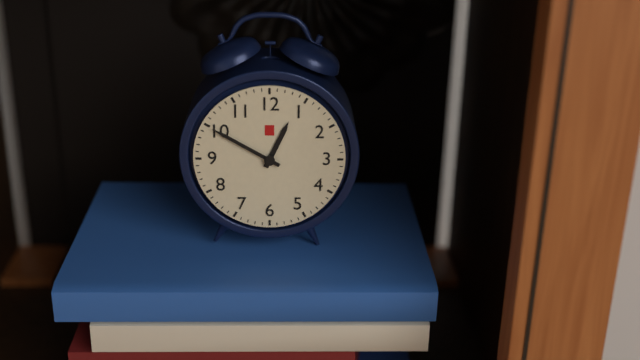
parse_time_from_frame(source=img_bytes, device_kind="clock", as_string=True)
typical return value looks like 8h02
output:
12h50
